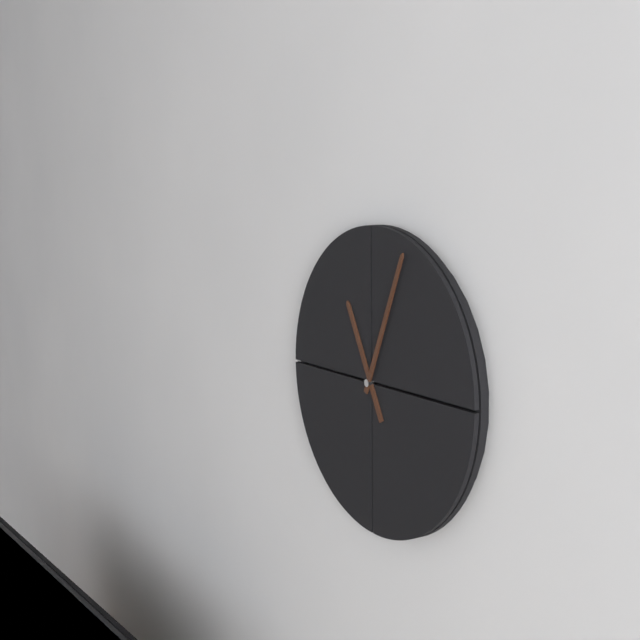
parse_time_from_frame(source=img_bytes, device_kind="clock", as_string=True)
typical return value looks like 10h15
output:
11h04
